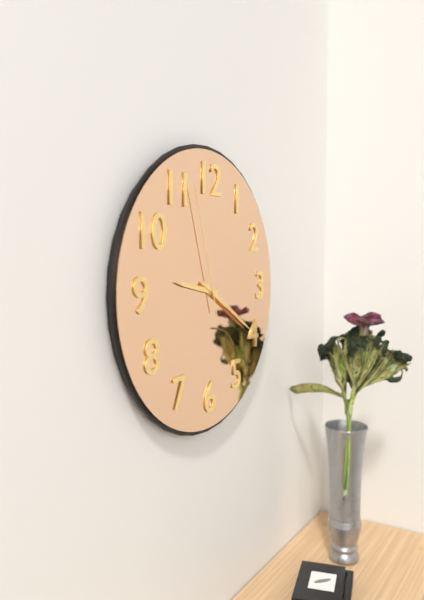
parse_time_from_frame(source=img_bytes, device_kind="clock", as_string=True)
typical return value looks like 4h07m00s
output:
9h20m57s
